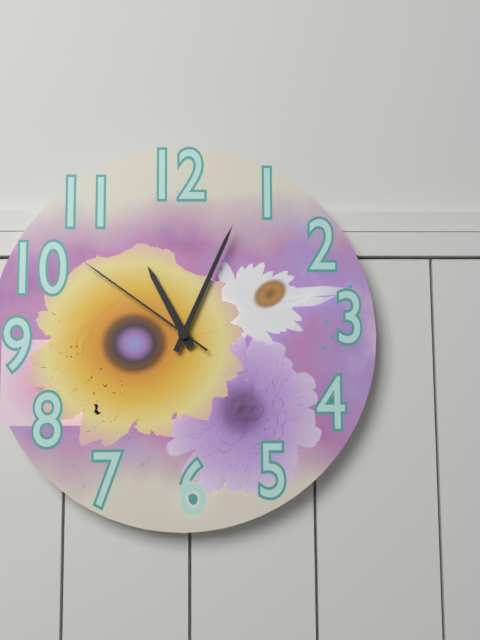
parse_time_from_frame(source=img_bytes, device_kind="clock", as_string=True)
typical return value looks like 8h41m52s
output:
11h04m51s
